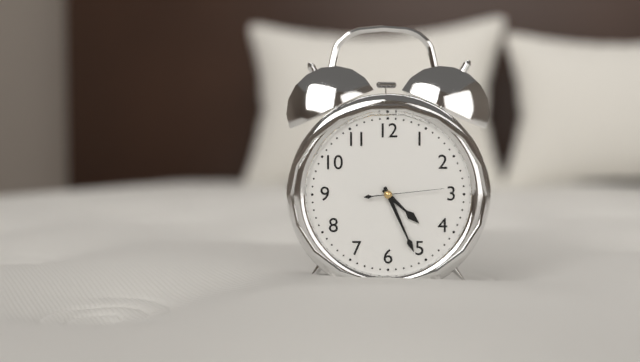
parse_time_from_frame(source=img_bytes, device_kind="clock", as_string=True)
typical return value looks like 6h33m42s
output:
4h26m14s
